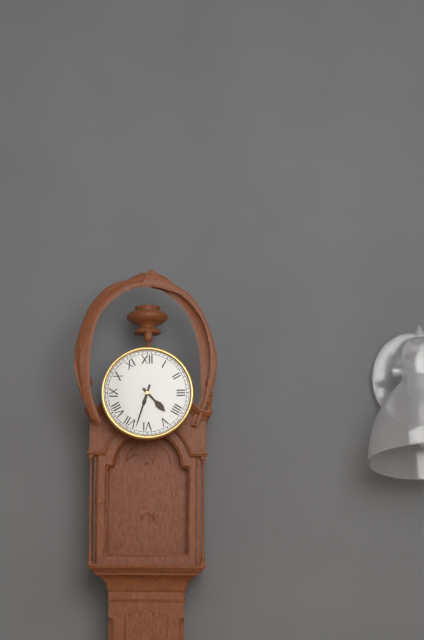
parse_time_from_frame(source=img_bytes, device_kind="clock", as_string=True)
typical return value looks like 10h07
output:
4h33
